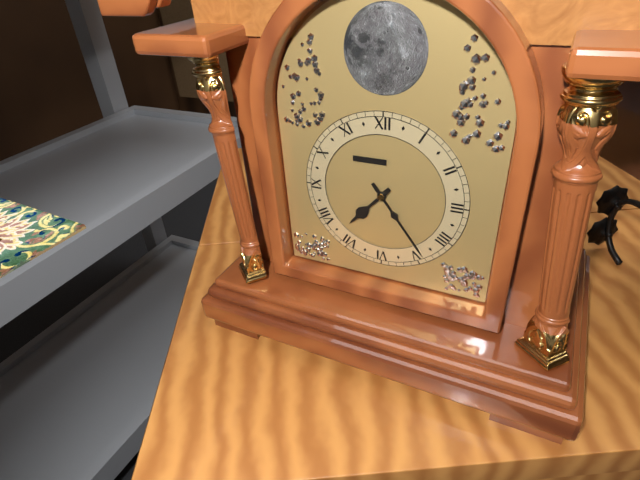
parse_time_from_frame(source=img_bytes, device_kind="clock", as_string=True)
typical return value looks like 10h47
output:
7h24
